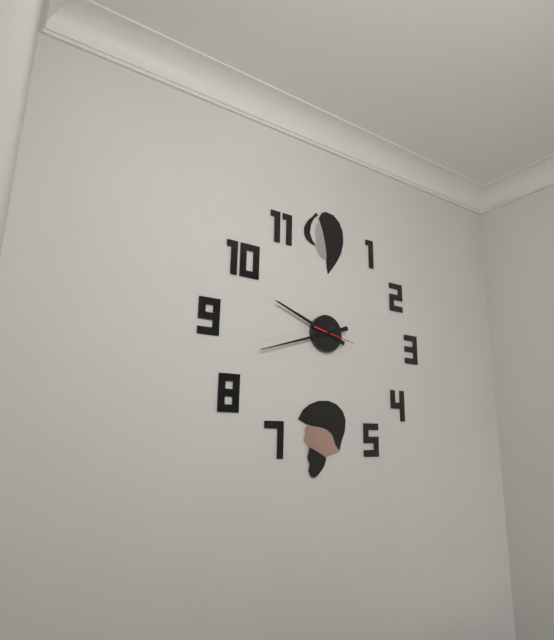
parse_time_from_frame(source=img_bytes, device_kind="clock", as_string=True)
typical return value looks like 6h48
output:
9h42
